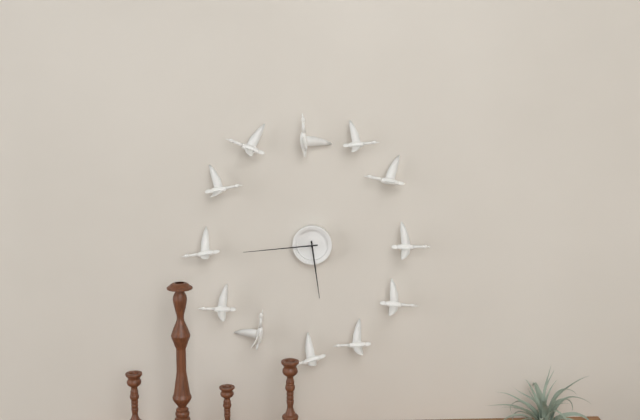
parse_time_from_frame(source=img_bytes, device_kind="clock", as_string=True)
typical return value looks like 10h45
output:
5h44
